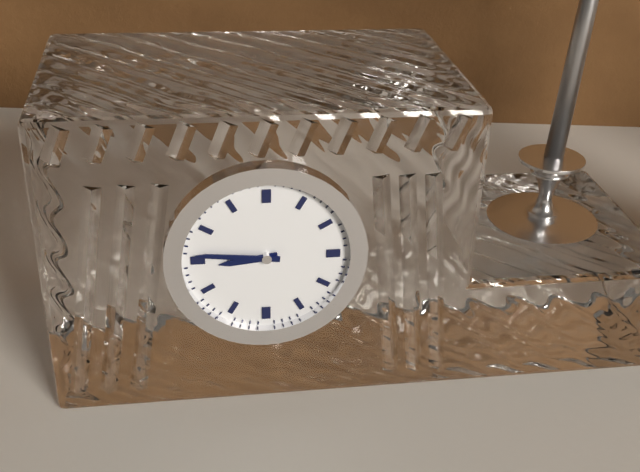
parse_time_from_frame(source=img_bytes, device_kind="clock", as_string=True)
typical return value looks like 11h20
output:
8h46
